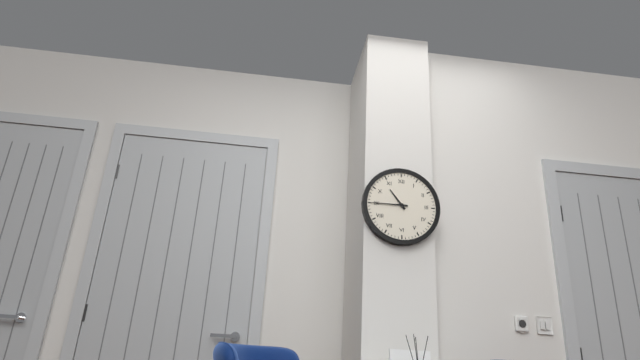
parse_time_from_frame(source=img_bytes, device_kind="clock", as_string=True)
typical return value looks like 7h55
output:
10h45
